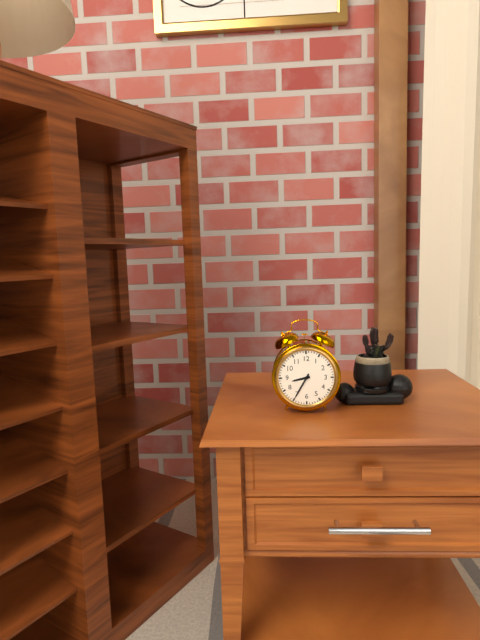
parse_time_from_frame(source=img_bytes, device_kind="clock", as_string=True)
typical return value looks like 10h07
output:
8h35
